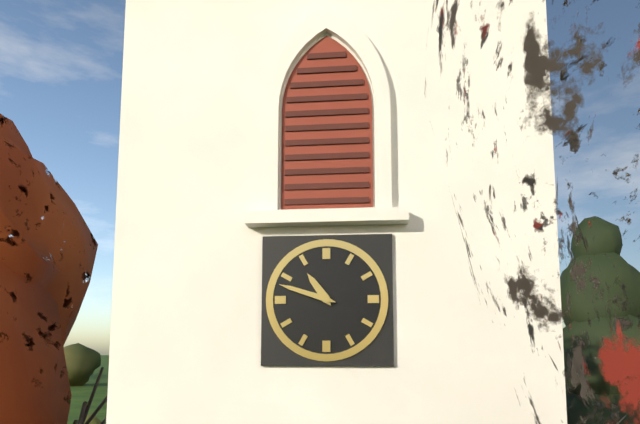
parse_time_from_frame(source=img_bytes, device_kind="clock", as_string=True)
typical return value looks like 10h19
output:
10h48
